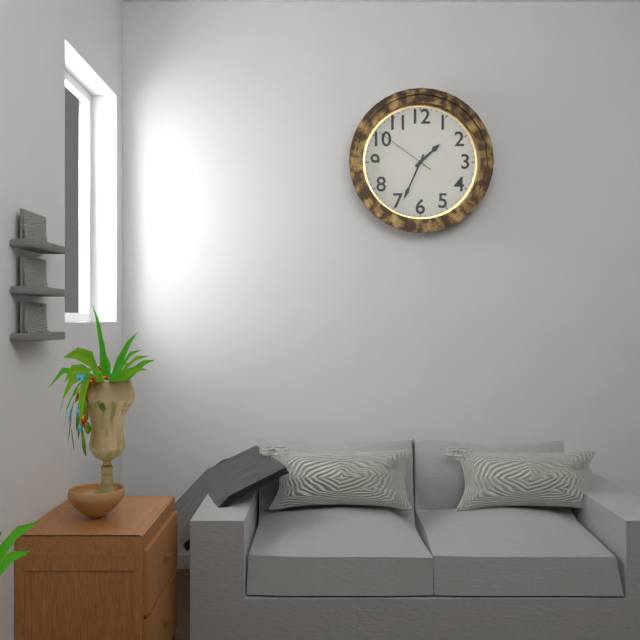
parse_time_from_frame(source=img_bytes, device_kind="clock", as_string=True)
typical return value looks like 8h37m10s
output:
1h34m51s
